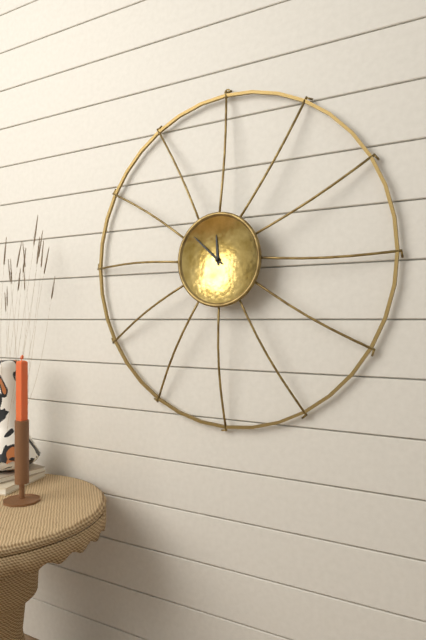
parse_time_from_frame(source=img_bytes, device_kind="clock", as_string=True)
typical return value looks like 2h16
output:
11h52
